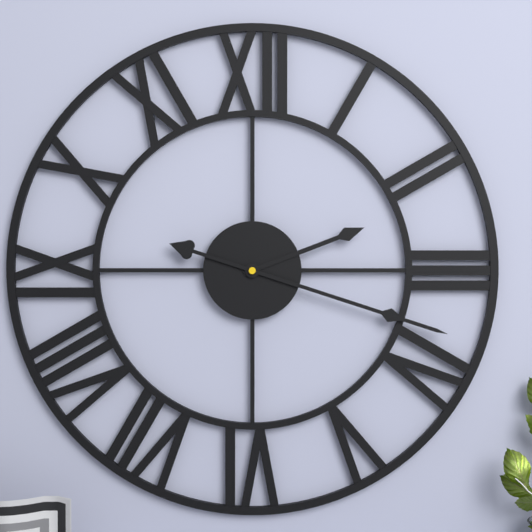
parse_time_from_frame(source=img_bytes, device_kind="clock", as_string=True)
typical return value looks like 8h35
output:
2h18
